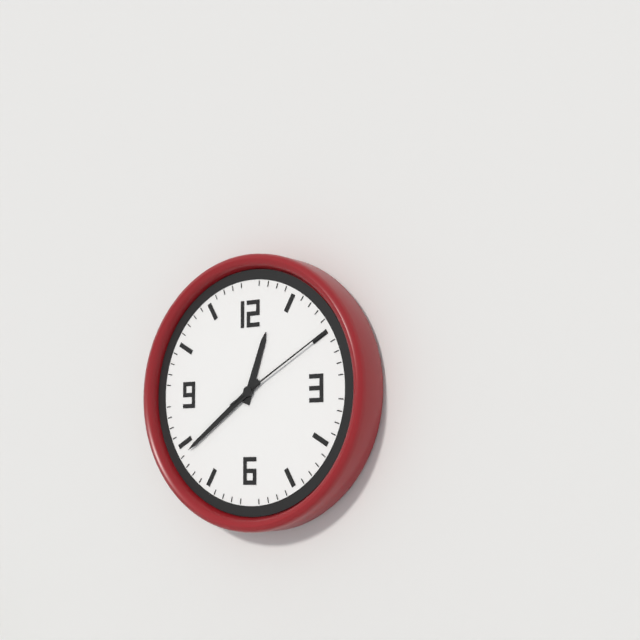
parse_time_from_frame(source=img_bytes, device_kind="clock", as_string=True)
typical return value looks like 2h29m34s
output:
12h39m10s
